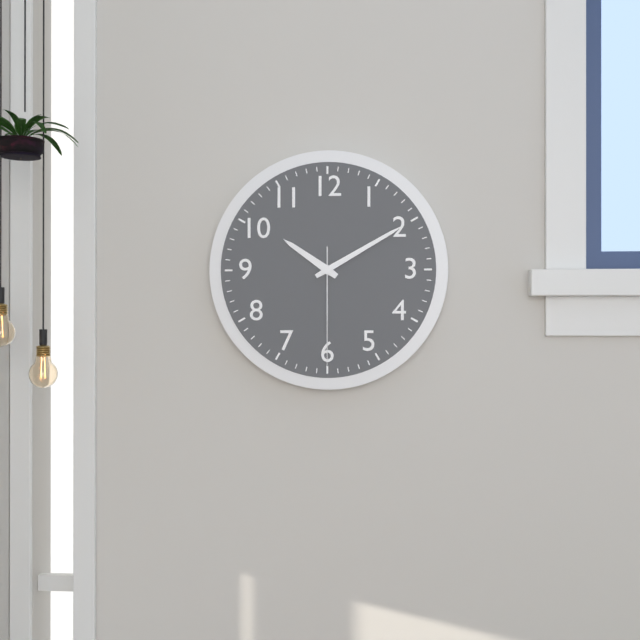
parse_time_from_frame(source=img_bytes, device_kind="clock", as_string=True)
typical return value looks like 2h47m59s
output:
10h10m30s
